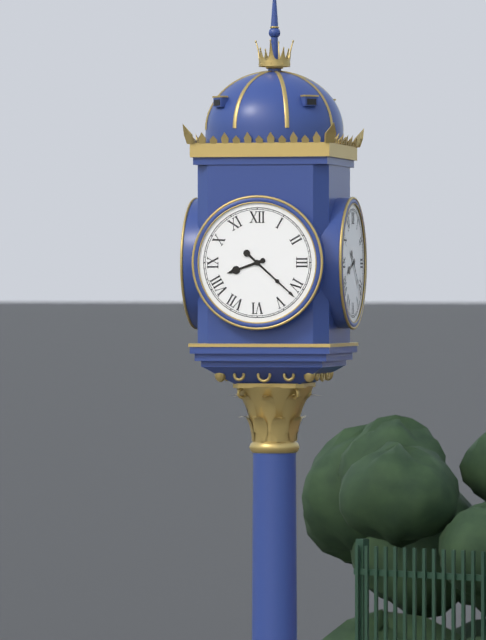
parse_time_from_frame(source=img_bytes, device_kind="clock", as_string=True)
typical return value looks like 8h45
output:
8h22
